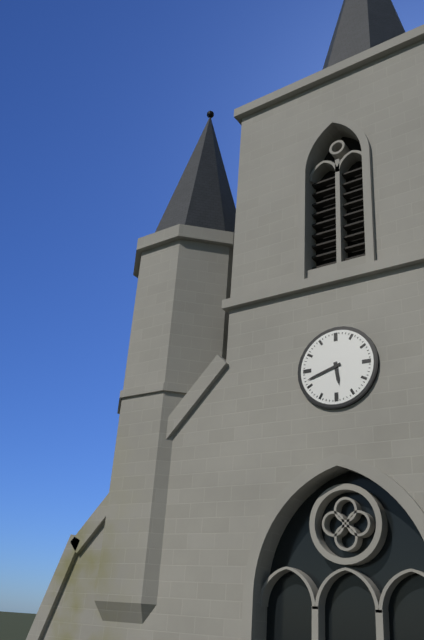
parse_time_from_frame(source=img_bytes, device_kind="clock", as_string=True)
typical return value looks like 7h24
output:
5h42
